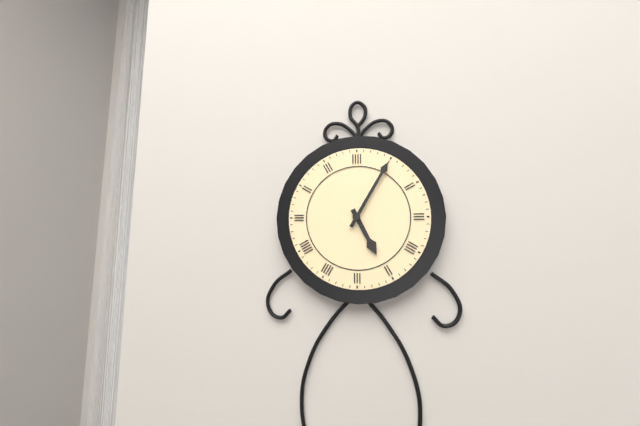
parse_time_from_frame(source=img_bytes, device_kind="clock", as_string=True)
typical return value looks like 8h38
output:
5h05
